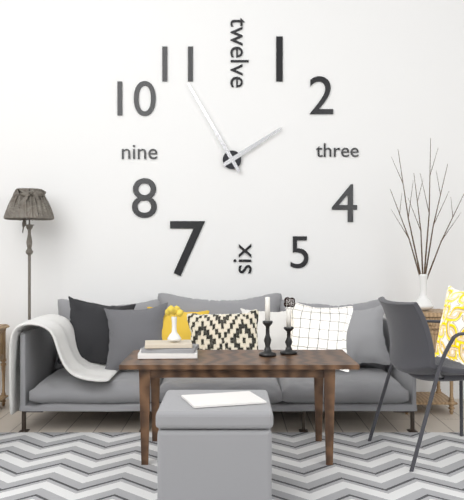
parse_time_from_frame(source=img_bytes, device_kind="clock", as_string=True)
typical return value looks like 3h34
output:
1h55
